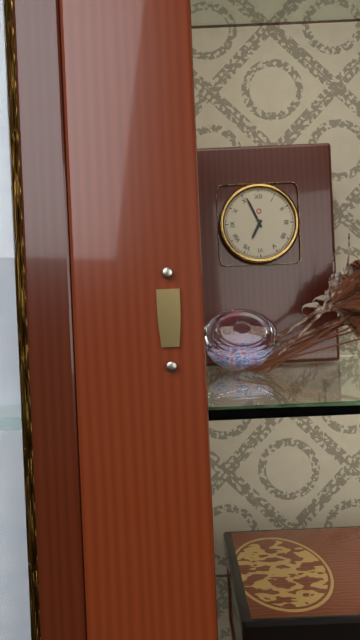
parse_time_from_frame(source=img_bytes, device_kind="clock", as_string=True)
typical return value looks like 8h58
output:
6h56
